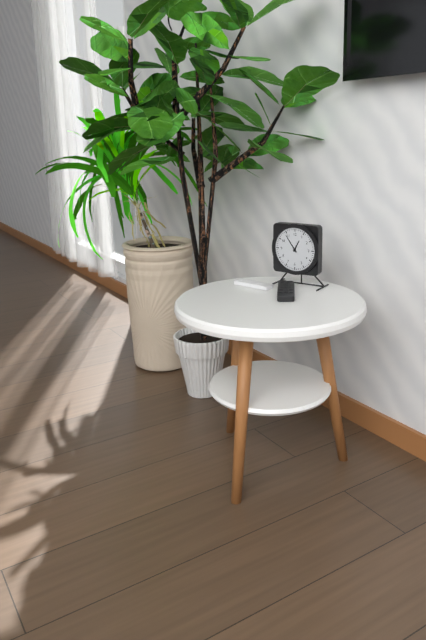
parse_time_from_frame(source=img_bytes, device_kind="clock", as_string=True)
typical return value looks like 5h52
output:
12h54
